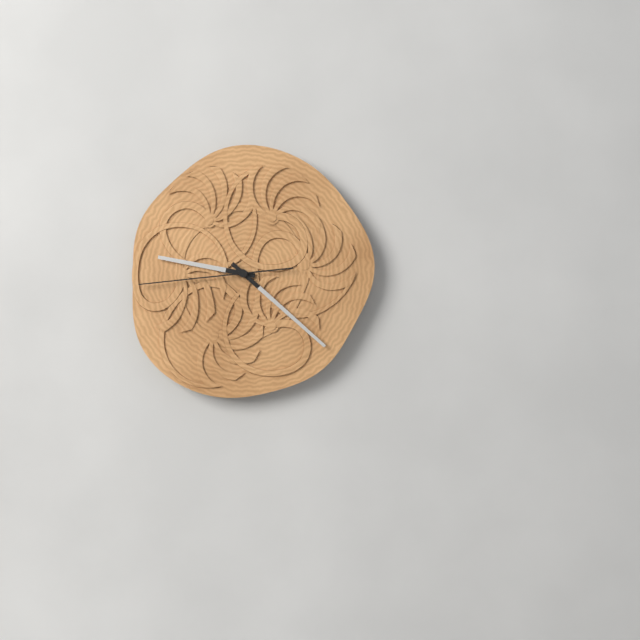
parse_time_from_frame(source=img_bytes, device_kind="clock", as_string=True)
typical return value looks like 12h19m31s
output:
9h22m44s
